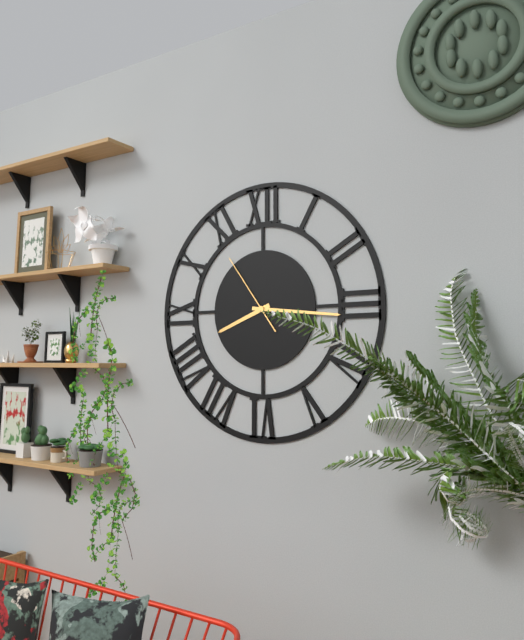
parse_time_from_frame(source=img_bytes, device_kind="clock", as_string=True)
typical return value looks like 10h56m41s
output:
8h16m54s
